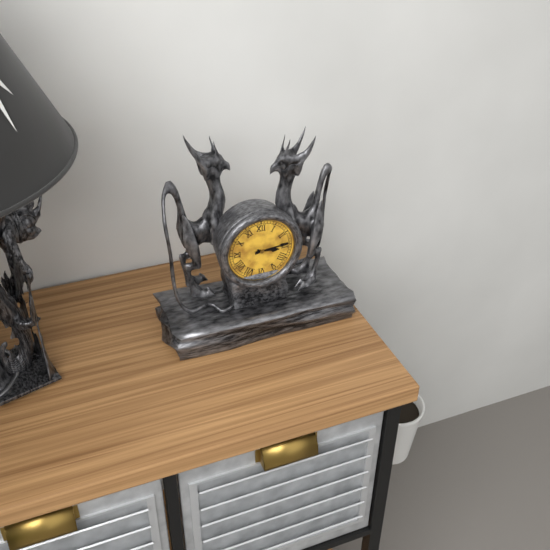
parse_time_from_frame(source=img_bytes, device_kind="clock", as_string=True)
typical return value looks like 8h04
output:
3h14
